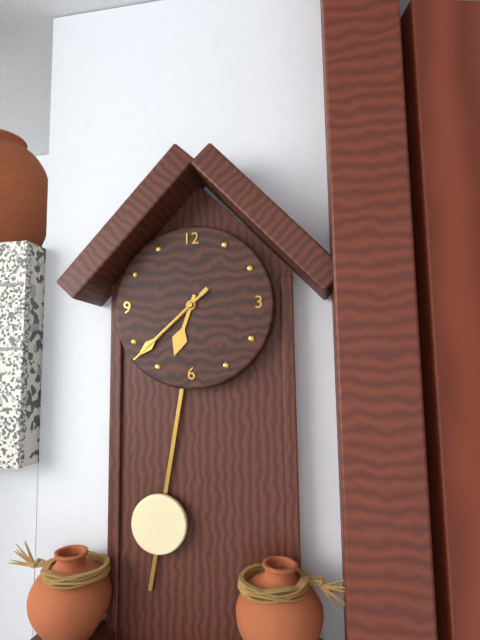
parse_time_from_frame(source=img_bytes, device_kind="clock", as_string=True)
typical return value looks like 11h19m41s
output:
6h38m38s
